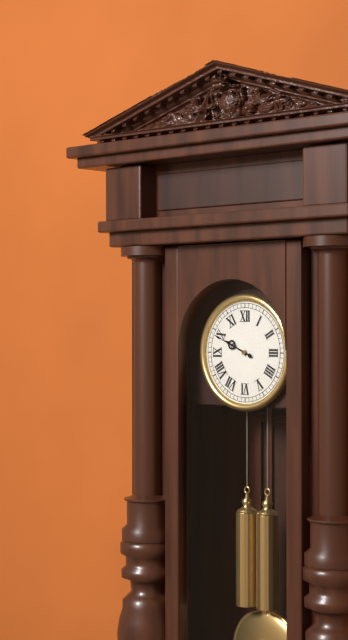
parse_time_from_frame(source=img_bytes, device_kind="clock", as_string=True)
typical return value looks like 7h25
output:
9h49
